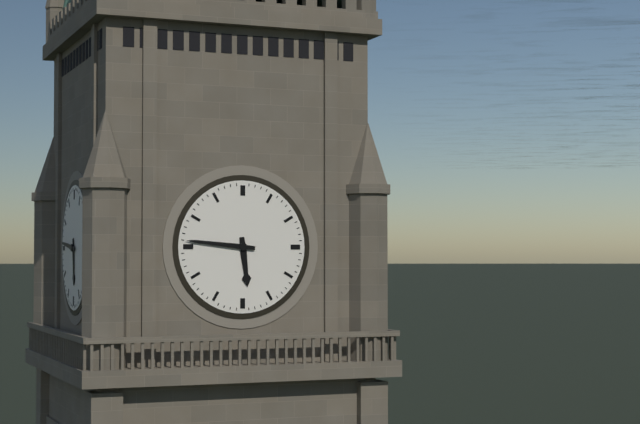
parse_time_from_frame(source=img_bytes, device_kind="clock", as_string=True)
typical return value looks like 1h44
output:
5h46
